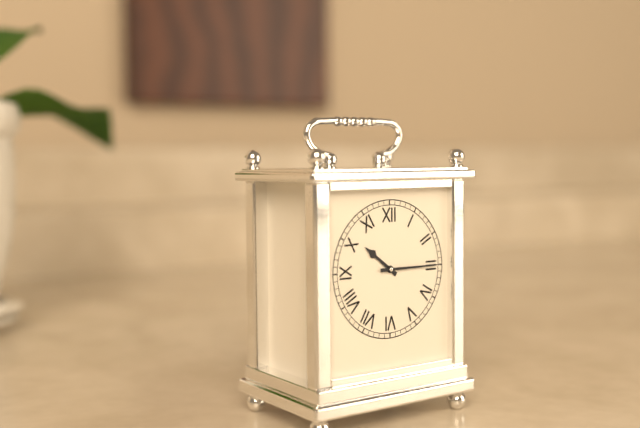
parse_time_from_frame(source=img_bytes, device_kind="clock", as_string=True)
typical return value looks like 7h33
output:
10h15
